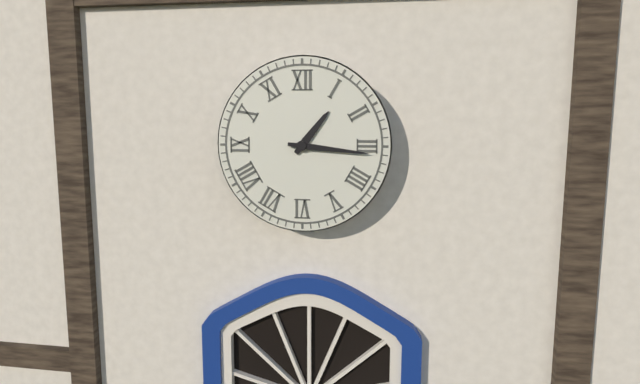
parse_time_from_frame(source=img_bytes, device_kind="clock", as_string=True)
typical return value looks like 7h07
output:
1h16
